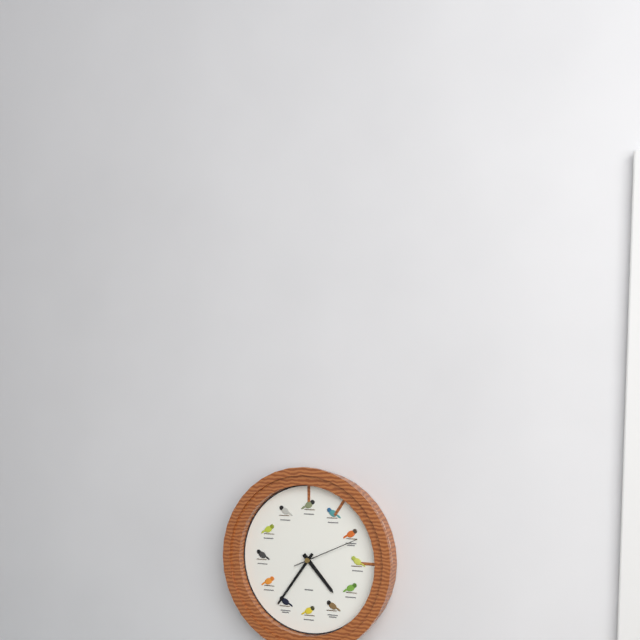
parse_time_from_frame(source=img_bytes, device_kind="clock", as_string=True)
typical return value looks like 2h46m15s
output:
4h36m11s
